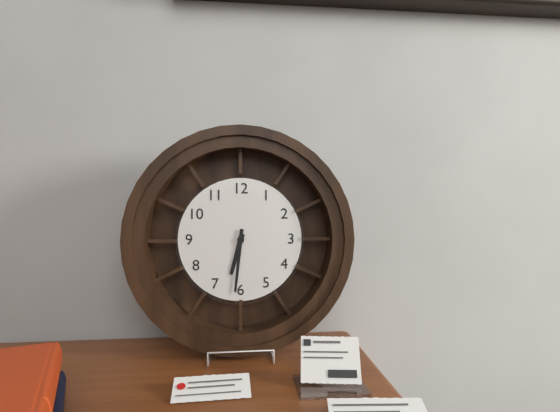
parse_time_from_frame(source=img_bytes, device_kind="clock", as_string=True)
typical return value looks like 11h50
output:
6h31
